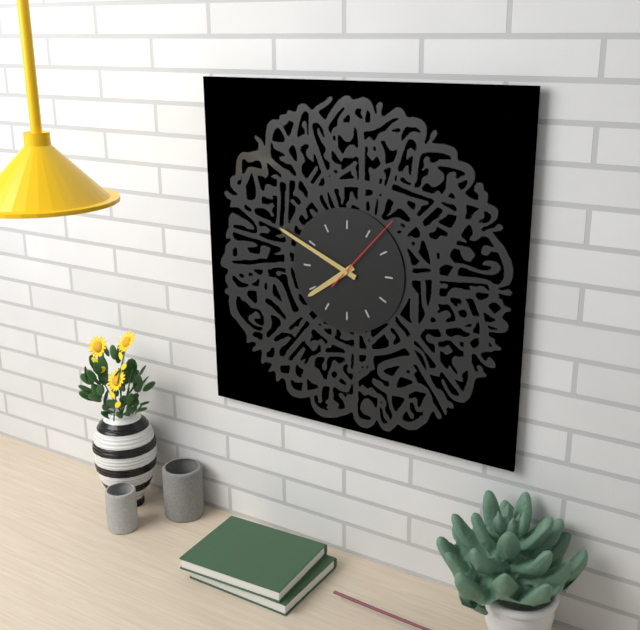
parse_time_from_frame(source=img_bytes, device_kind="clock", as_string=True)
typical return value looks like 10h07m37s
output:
7h49m07s
